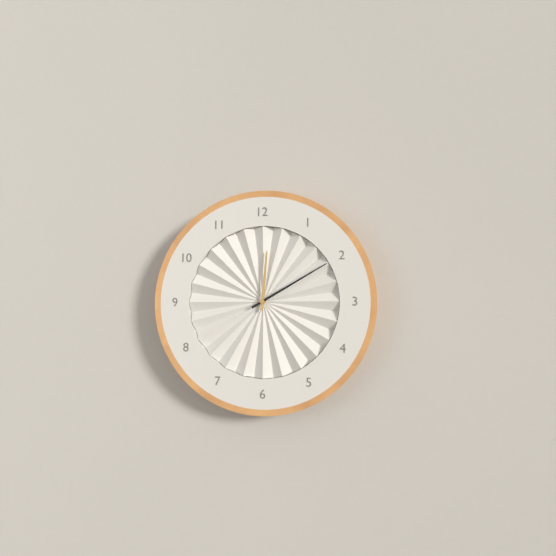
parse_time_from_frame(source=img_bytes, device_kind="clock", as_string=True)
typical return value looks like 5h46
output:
12h10
